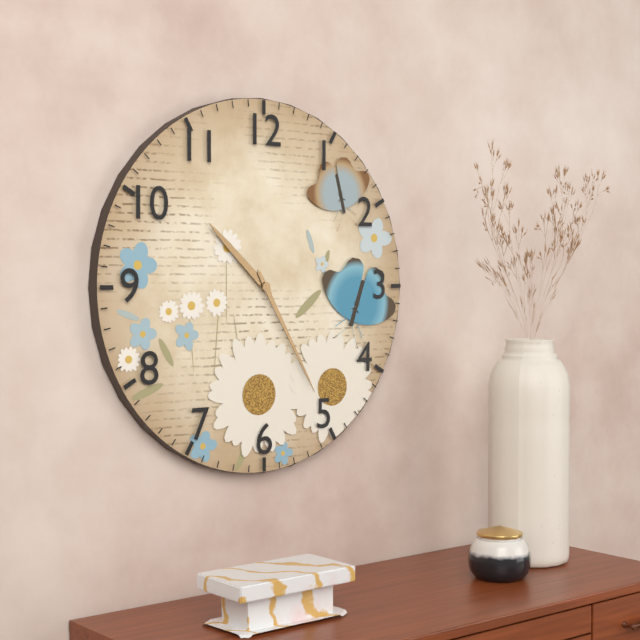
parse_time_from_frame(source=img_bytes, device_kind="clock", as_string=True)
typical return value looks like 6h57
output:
10h25
